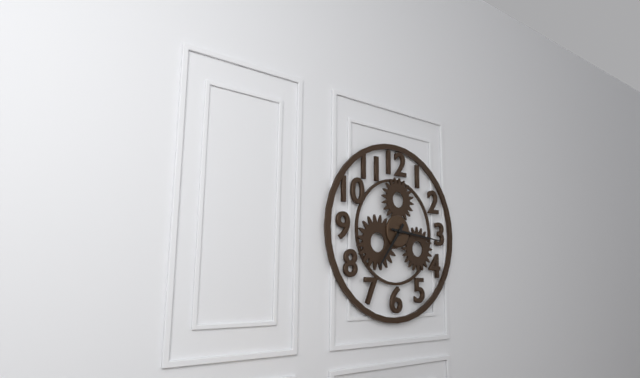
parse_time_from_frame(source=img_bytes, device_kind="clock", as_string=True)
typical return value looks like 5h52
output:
7h16
